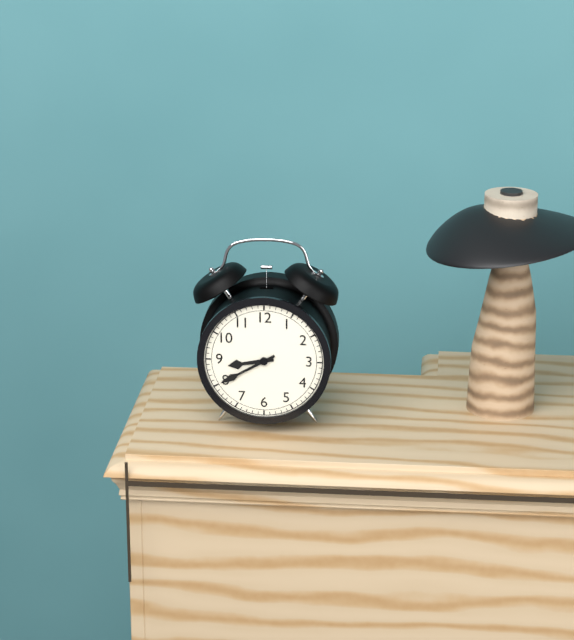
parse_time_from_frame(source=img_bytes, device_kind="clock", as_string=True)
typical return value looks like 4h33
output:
8h40
